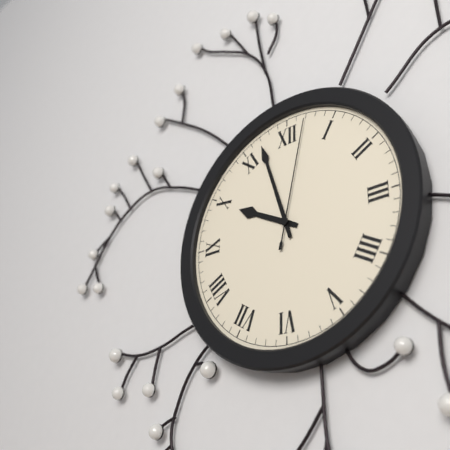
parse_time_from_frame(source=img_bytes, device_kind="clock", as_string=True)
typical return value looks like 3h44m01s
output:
9h57m02s
